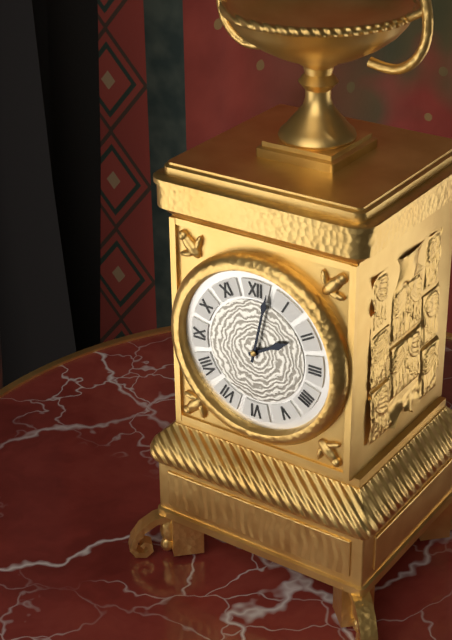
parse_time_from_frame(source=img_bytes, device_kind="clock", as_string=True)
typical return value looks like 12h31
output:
2h02
